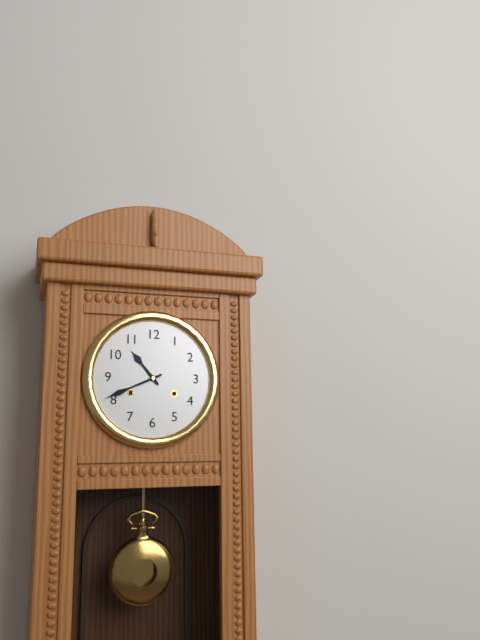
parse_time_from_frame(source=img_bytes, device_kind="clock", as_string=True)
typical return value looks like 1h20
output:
10h41
